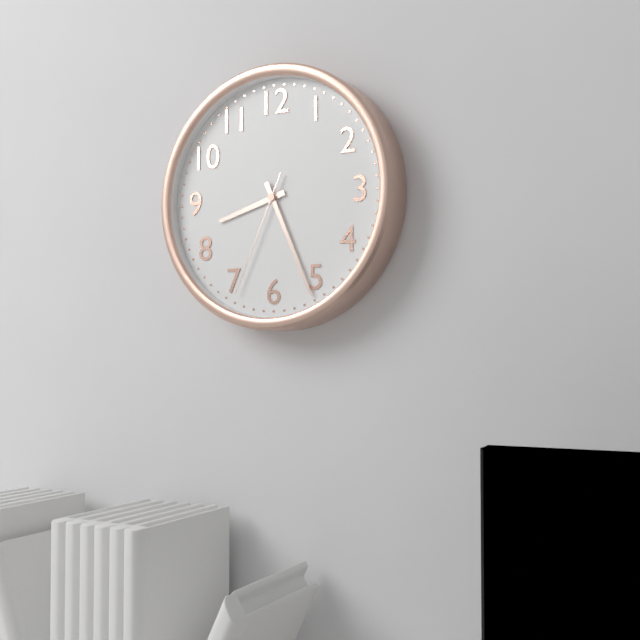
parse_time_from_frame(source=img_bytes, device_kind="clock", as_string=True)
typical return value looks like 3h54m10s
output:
8h26m34s
